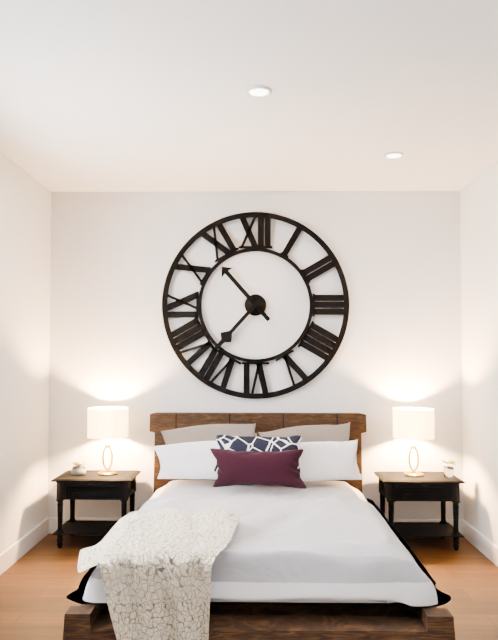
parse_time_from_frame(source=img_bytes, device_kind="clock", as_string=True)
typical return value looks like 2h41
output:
10h37
